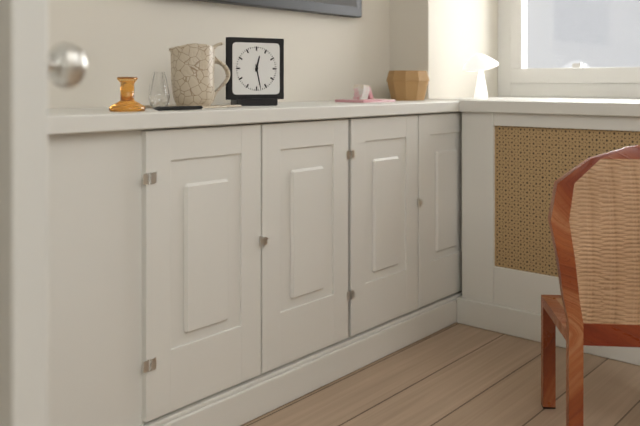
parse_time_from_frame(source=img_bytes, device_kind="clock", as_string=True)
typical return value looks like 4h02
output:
12h28
